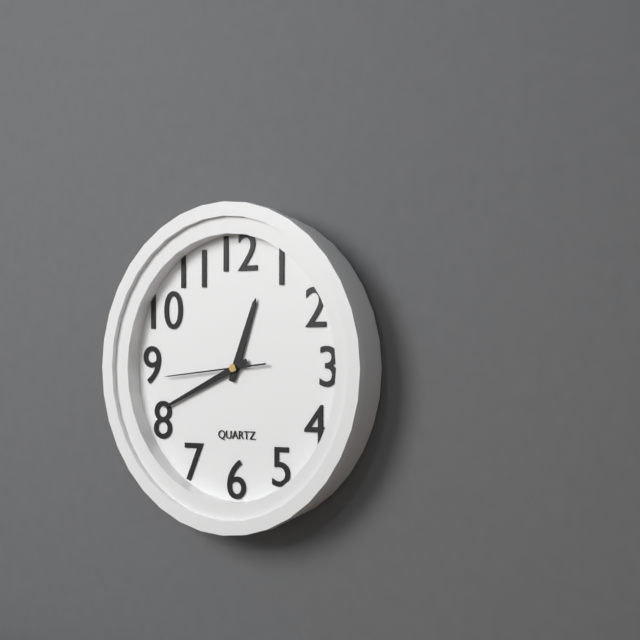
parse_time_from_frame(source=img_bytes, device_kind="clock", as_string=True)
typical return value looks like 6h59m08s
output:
12h41m44s
